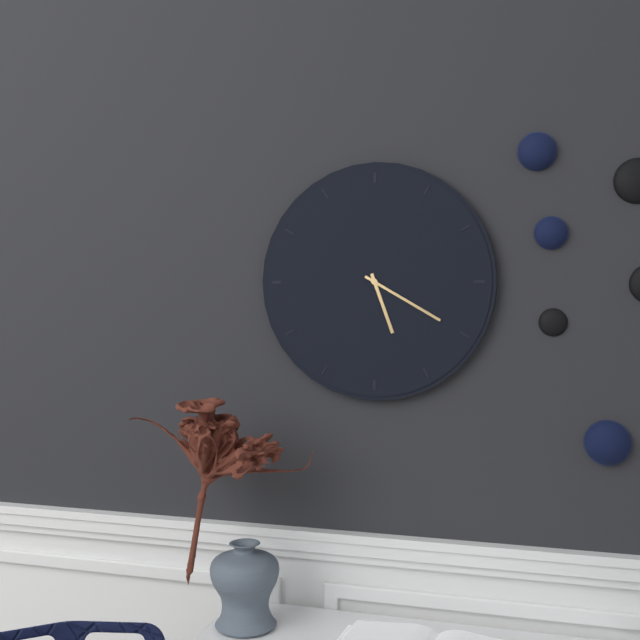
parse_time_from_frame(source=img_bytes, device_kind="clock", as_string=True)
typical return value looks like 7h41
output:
5h20
